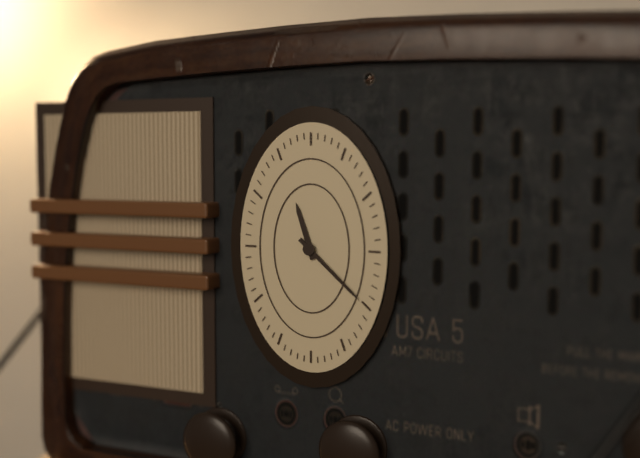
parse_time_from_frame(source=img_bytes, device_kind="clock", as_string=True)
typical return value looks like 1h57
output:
11h22
